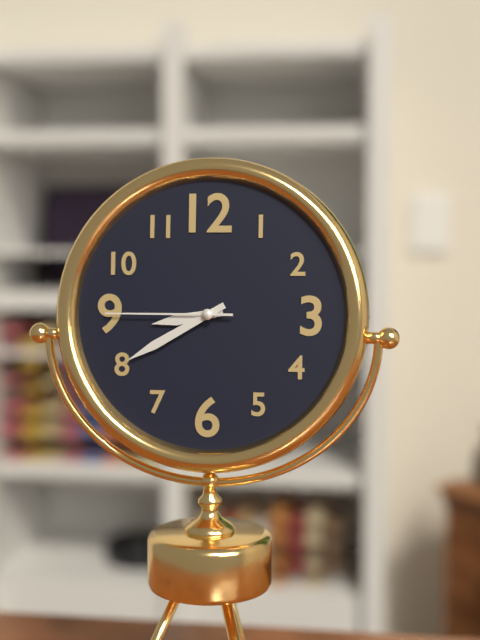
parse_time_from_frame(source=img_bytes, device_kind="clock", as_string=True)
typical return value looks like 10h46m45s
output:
8h40m45s
